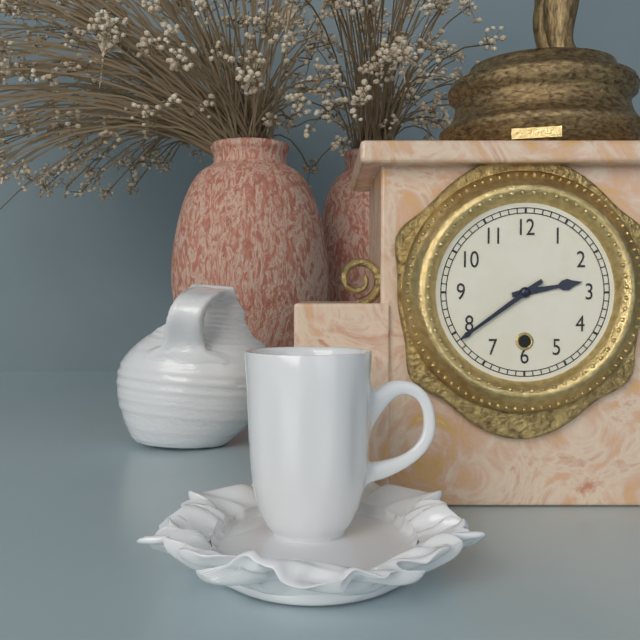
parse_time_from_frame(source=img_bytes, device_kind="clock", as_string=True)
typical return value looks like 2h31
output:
2h39
